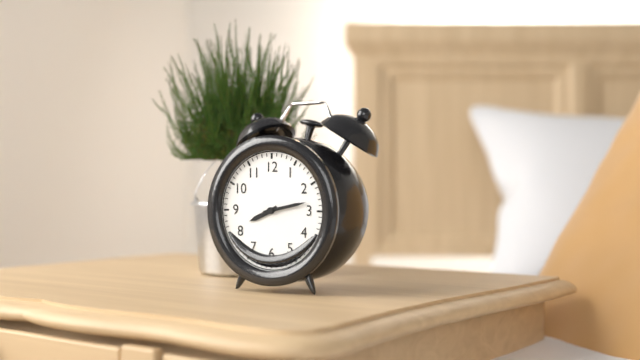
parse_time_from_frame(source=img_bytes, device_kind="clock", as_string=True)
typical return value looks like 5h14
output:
8h13
